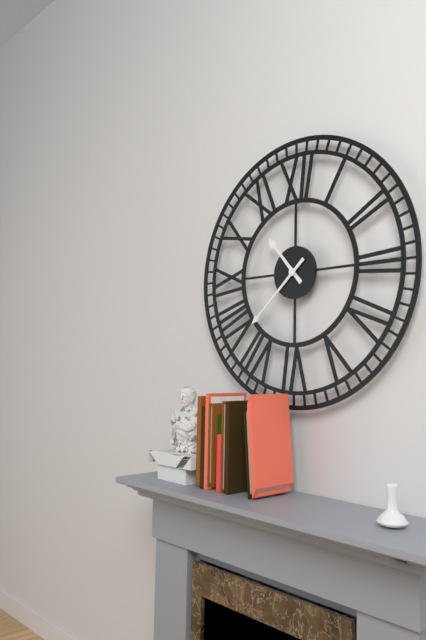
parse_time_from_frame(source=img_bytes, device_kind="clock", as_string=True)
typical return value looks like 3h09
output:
10h38
